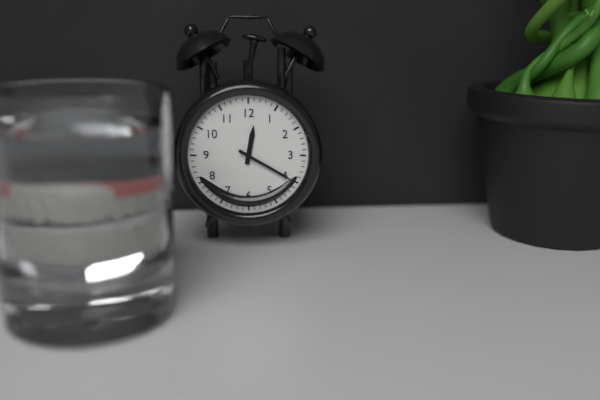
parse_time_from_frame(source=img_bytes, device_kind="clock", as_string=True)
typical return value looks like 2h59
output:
12h20
